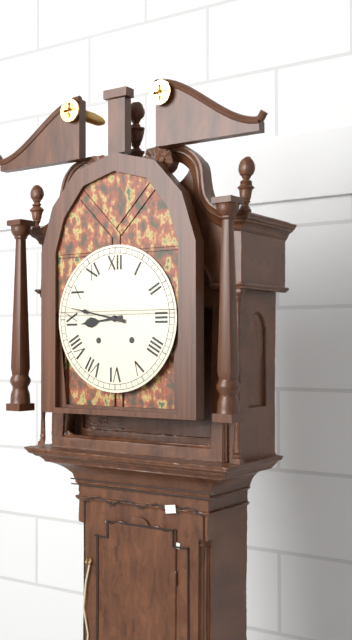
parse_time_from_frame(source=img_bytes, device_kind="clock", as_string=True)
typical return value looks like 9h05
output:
8h47
